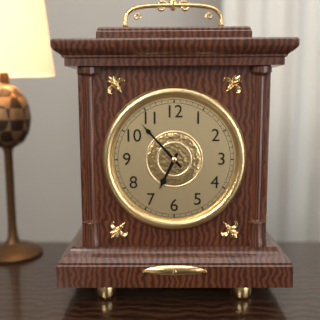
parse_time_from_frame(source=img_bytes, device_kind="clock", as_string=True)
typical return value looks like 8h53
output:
6h53
